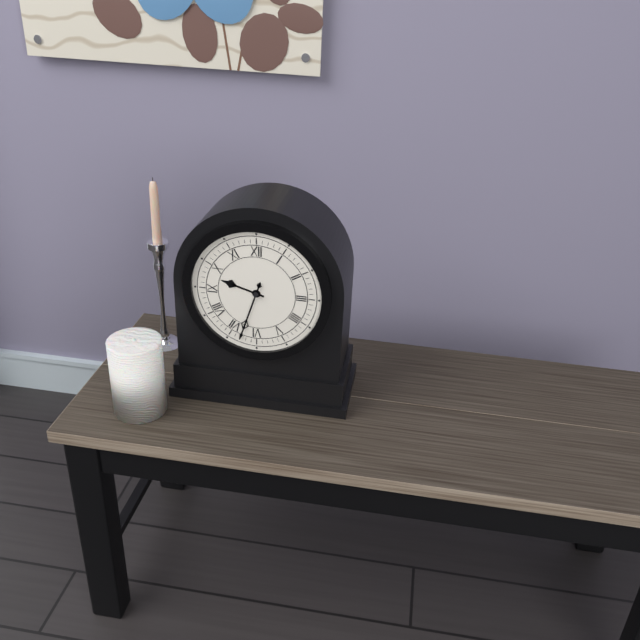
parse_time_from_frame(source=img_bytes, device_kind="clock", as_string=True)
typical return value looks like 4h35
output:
9h33
